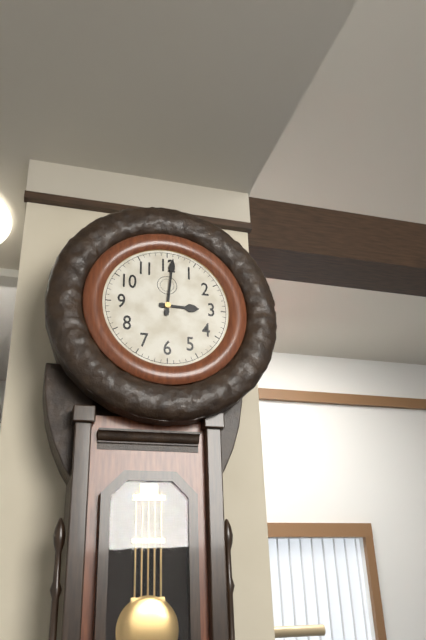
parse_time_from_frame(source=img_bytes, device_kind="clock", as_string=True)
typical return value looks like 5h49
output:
3h01
